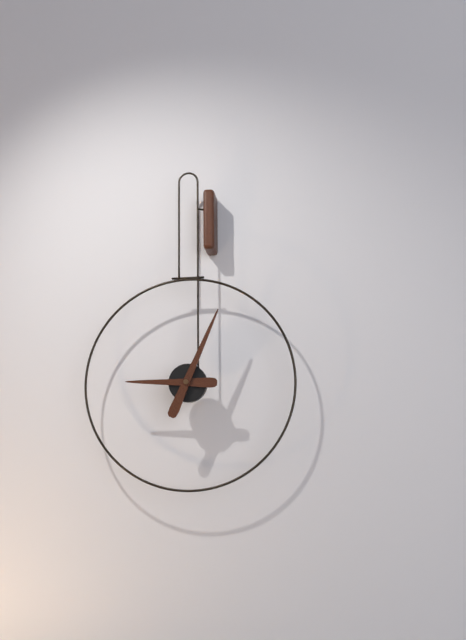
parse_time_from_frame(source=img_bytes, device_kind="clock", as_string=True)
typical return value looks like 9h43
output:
9h04
